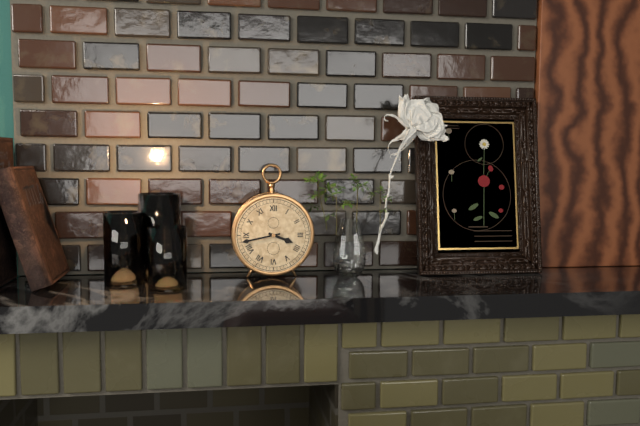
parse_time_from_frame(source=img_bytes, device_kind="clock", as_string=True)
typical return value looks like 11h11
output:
3h43
